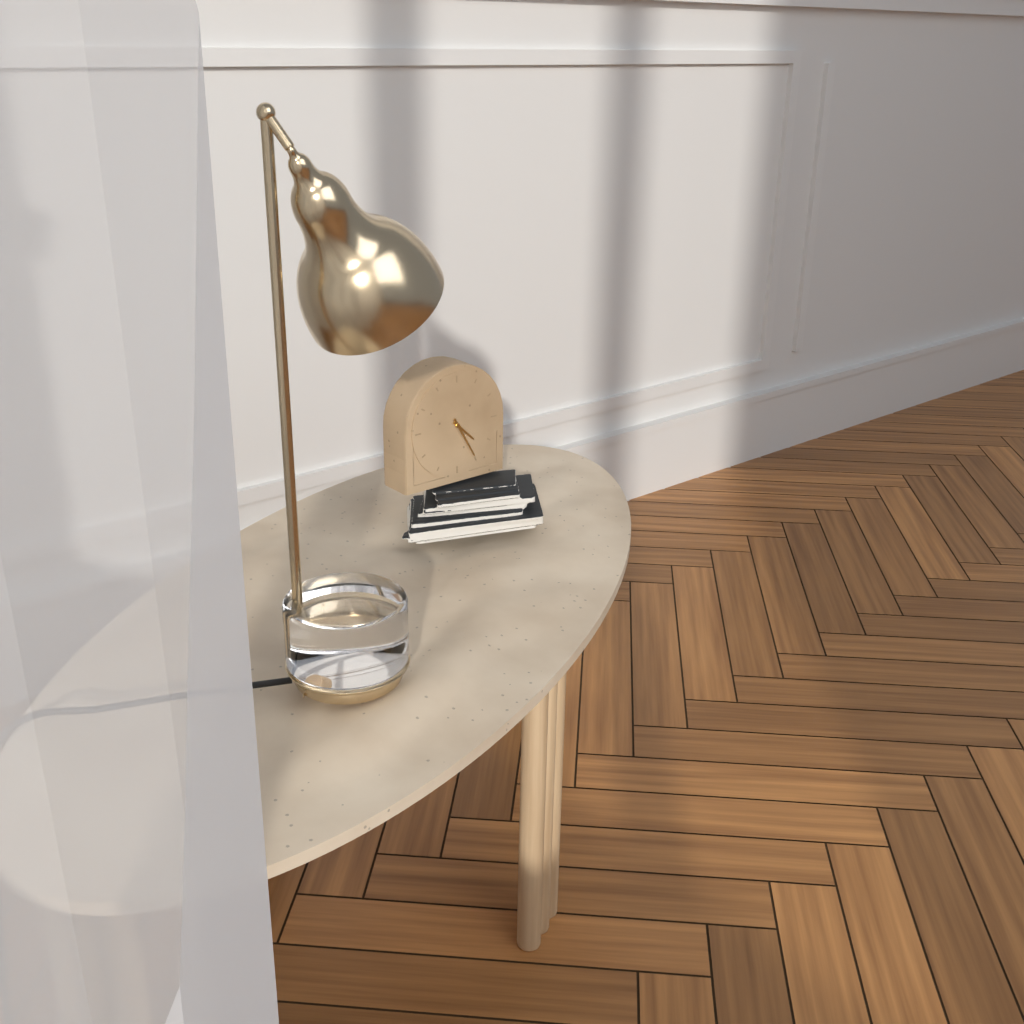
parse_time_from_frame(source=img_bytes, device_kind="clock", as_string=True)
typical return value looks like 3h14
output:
4h25
